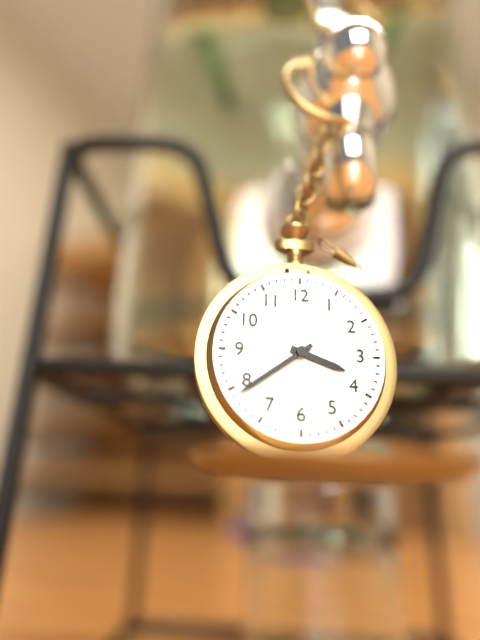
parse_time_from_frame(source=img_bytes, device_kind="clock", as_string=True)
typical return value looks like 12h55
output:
3h39
